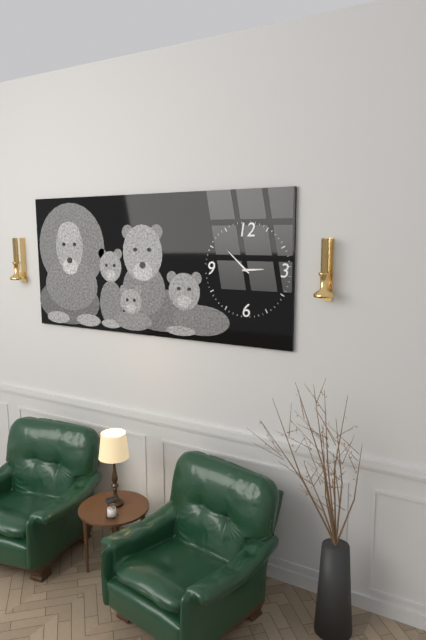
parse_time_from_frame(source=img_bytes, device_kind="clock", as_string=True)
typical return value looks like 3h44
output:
2h52
